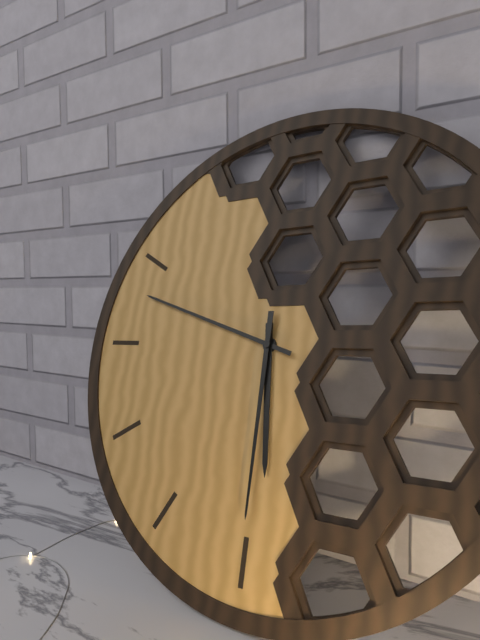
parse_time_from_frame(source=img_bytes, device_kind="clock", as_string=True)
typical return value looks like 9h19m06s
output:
5h48m30s
